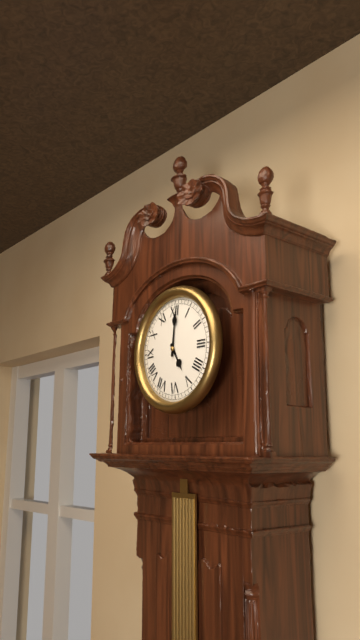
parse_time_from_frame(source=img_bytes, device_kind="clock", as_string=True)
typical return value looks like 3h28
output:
5h01
